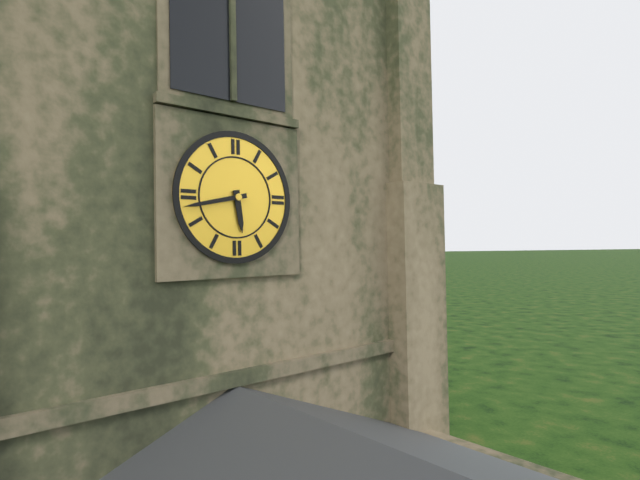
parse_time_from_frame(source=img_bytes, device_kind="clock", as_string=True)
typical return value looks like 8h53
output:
5h43
